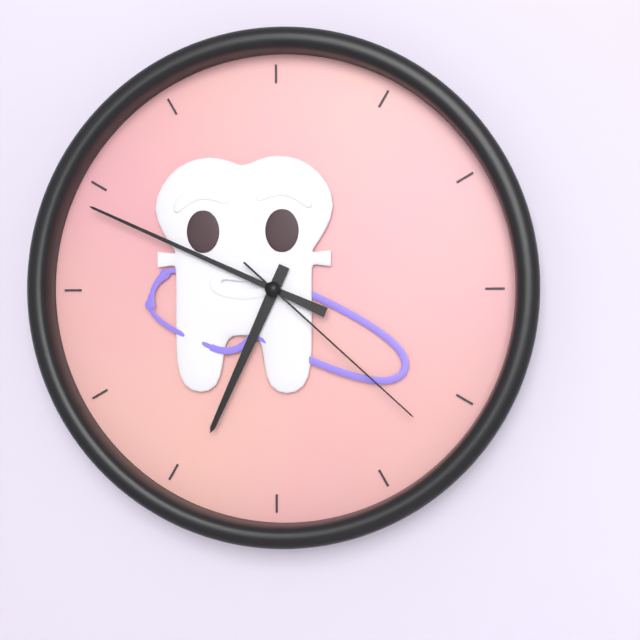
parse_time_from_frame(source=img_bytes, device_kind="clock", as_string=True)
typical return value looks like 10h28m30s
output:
6h49m22s
